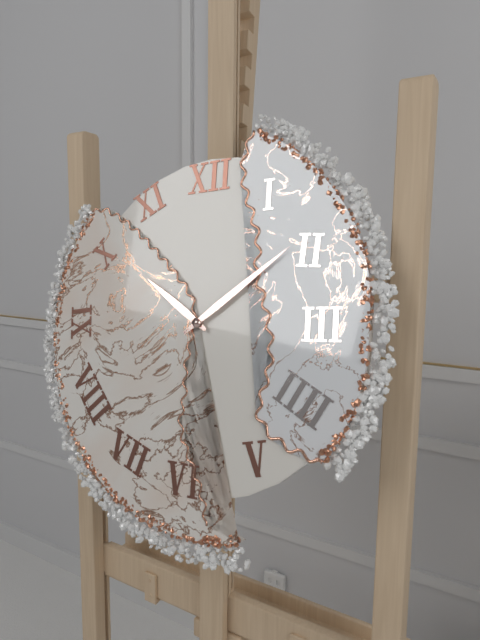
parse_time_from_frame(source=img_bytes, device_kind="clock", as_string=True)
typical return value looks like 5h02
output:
10h09
